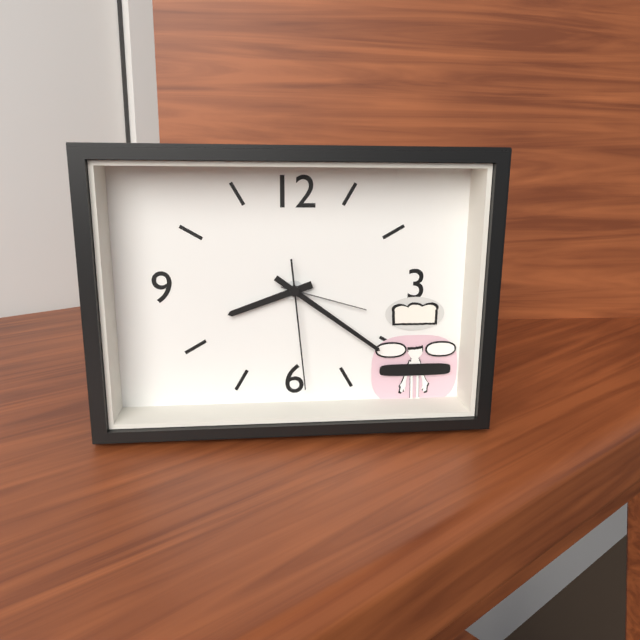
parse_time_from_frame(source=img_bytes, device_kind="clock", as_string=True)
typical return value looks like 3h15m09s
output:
8h21m29s
